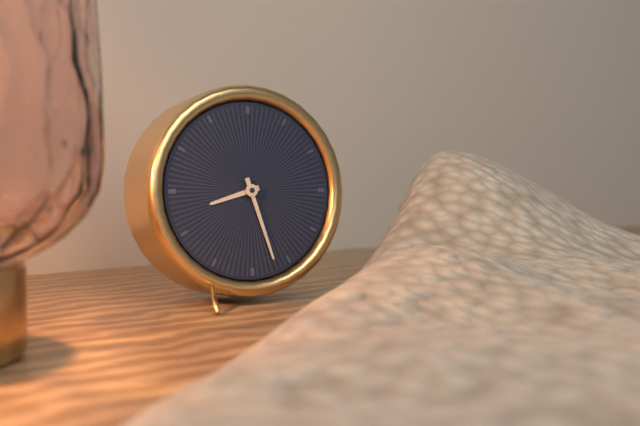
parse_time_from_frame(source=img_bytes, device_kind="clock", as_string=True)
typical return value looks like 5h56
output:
8h27
